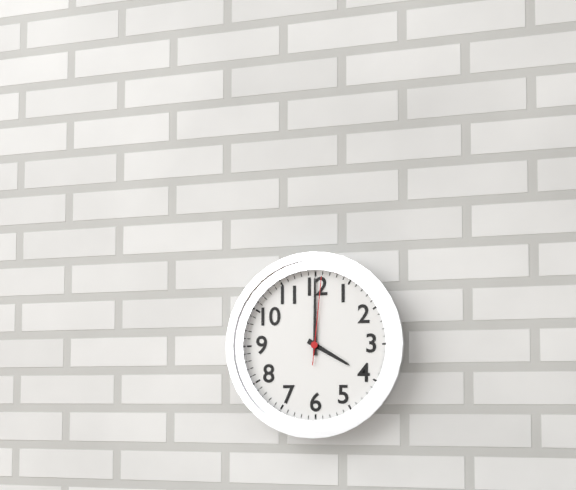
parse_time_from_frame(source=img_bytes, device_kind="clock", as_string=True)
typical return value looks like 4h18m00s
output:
4h00m01s
